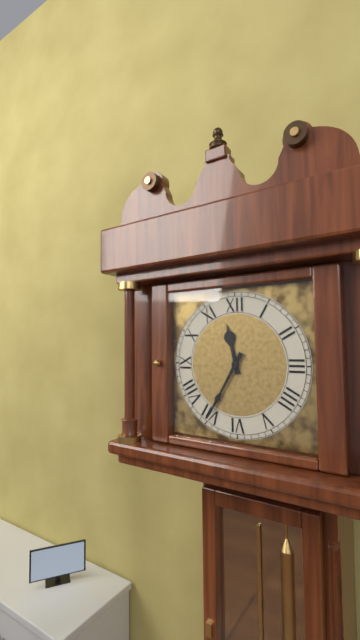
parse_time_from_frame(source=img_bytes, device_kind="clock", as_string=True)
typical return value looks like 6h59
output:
11h35
